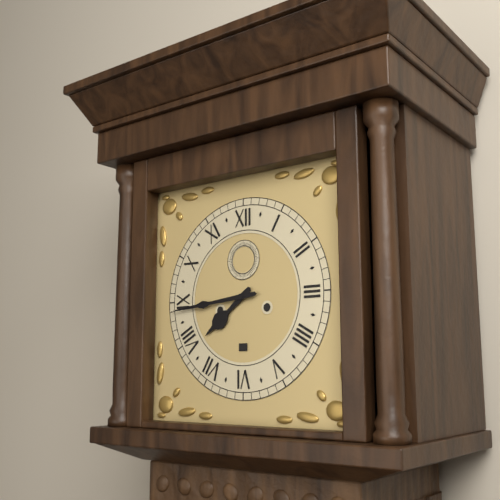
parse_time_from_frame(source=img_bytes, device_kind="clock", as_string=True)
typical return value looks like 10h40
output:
7h44
